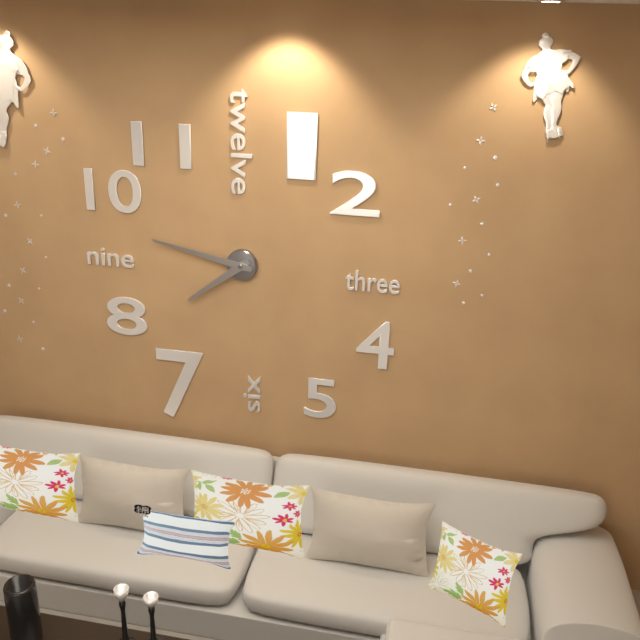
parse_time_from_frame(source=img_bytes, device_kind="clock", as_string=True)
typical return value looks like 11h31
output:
7h47
